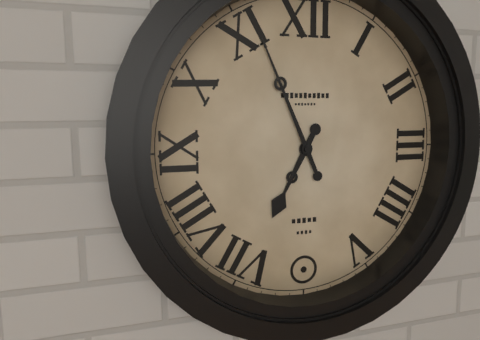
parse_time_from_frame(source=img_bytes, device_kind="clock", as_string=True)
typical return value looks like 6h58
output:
6h56
